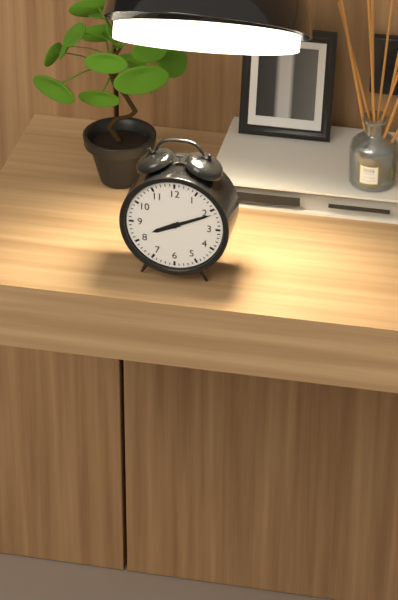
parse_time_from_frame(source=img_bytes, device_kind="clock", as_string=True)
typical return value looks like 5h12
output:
8h11
